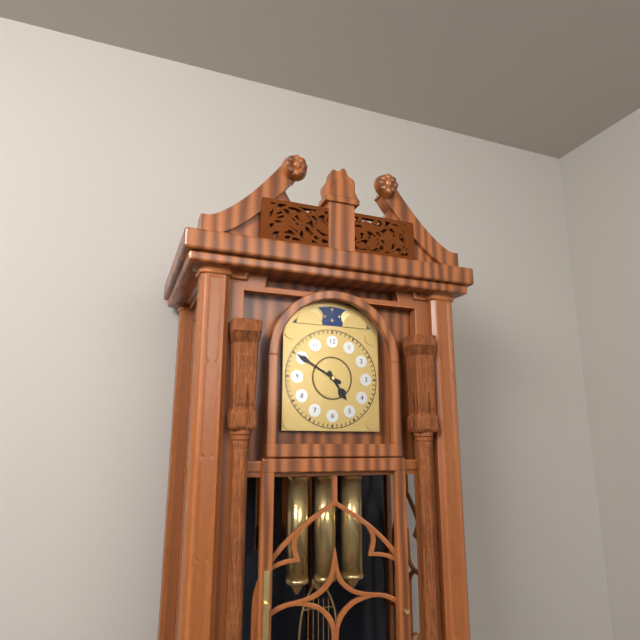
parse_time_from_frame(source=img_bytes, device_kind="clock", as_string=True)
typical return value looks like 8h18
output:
4h50
